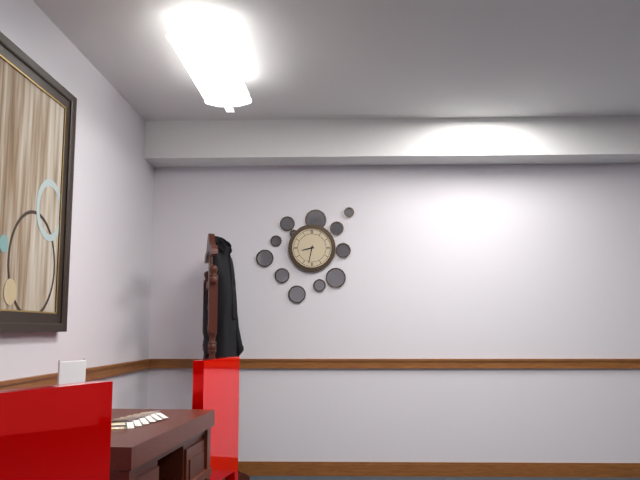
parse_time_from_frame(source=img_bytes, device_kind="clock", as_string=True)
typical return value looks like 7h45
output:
8h32
